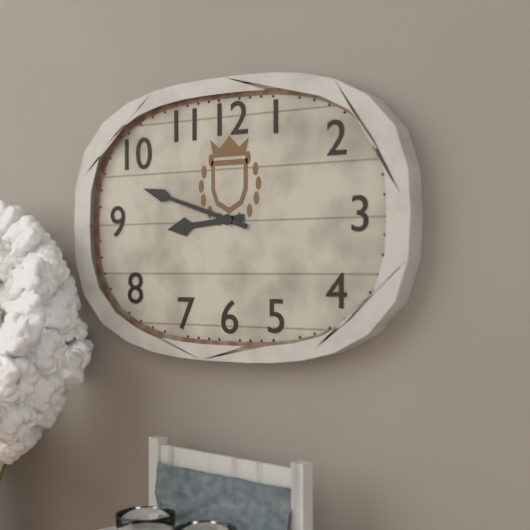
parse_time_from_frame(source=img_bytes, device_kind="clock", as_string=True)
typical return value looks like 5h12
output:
8h48
